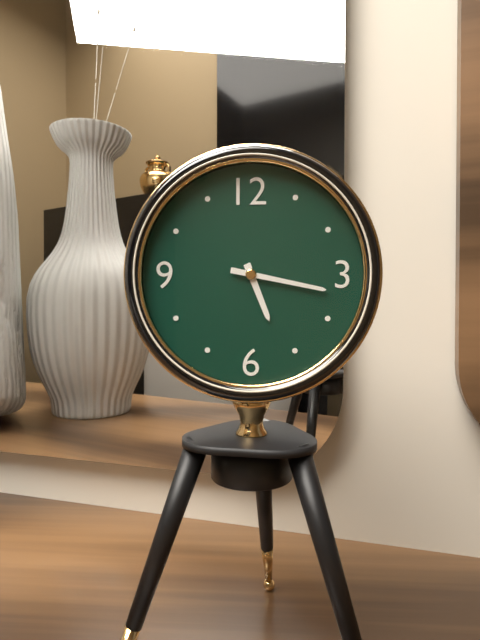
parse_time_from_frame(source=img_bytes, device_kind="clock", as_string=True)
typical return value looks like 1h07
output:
5h17
